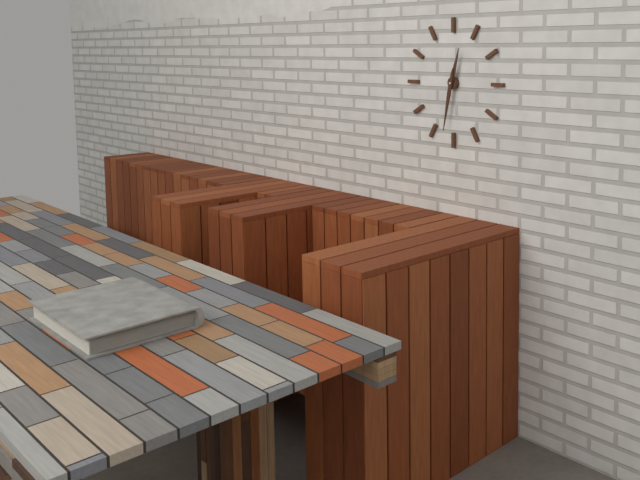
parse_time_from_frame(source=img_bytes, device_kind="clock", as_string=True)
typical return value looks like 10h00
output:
12h32
